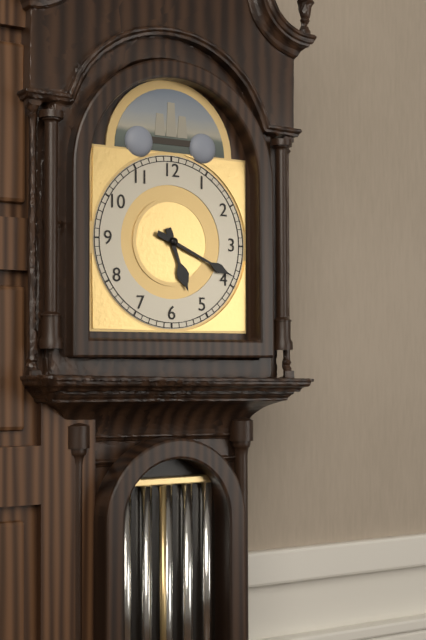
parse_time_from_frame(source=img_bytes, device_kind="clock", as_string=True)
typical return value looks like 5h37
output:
5h19
